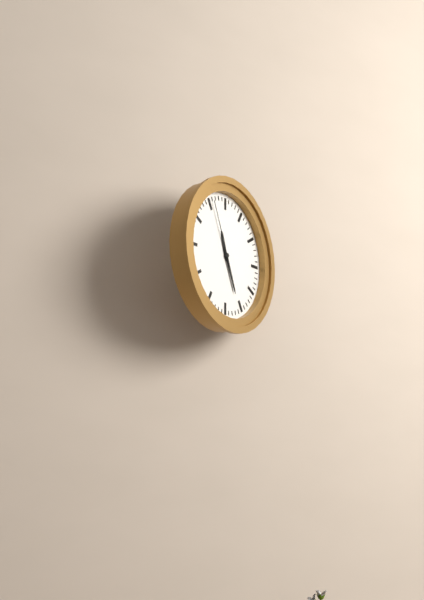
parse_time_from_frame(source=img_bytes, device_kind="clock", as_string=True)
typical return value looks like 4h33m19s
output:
11h26m56s
